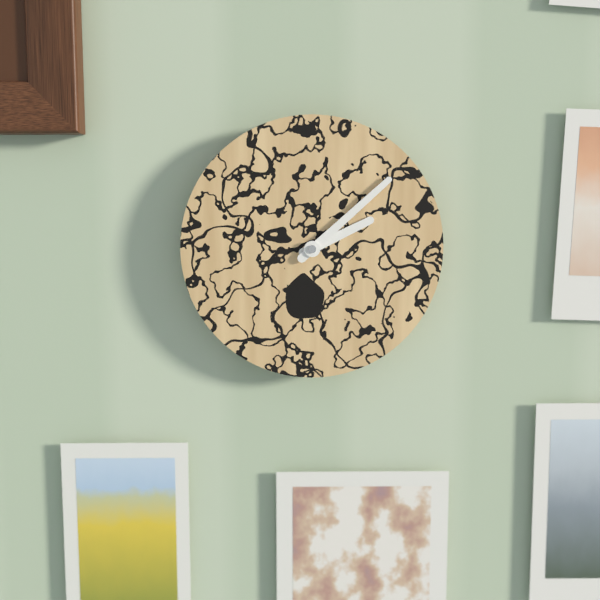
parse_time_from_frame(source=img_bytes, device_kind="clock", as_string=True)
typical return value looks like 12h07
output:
2h08
